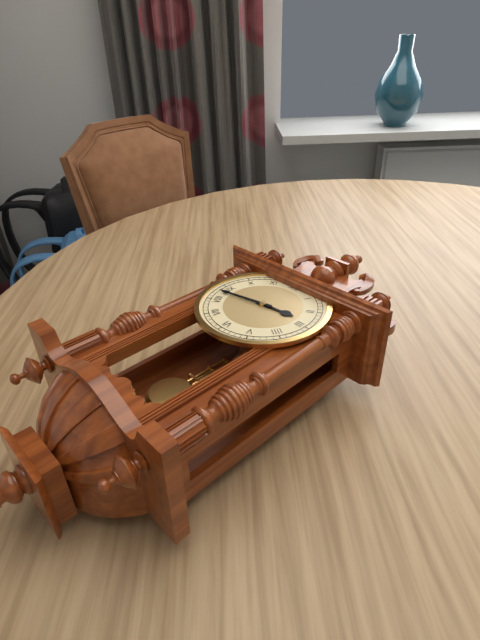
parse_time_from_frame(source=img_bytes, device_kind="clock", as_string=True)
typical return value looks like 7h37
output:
2h43
